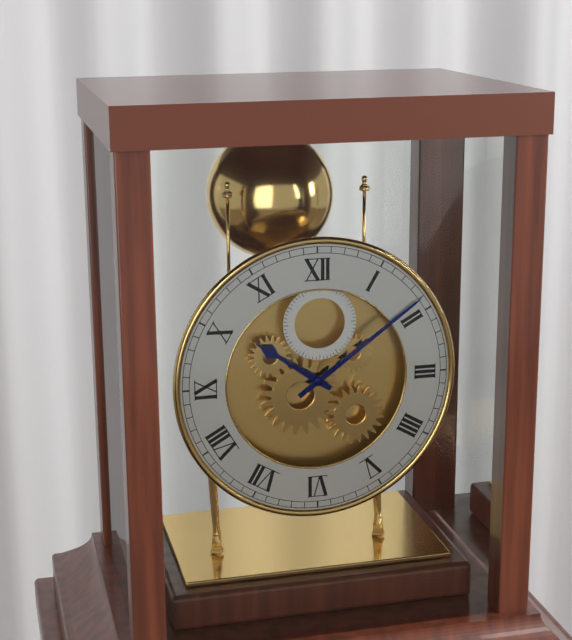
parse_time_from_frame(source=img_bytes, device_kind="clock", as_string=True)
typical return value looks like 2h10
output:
10h09
